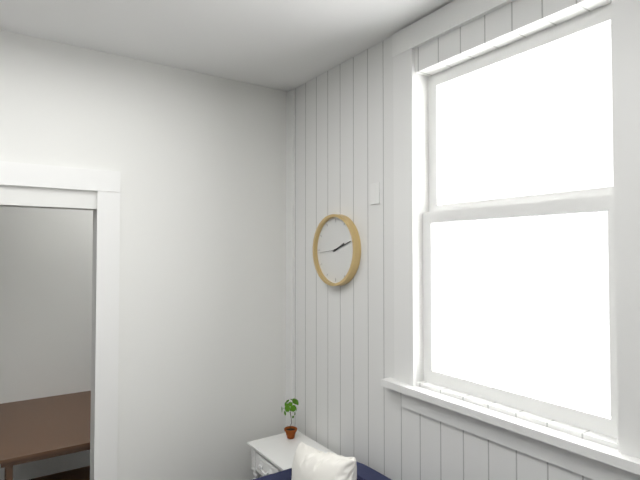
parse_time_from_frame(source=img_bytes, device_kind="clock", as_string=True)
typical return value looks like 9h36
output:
2h12
